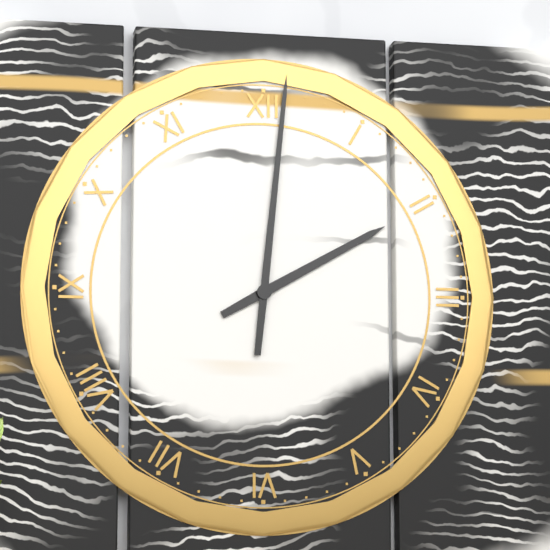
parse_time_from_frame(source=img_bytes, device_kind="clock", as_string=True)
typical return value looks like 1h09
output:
2h01
